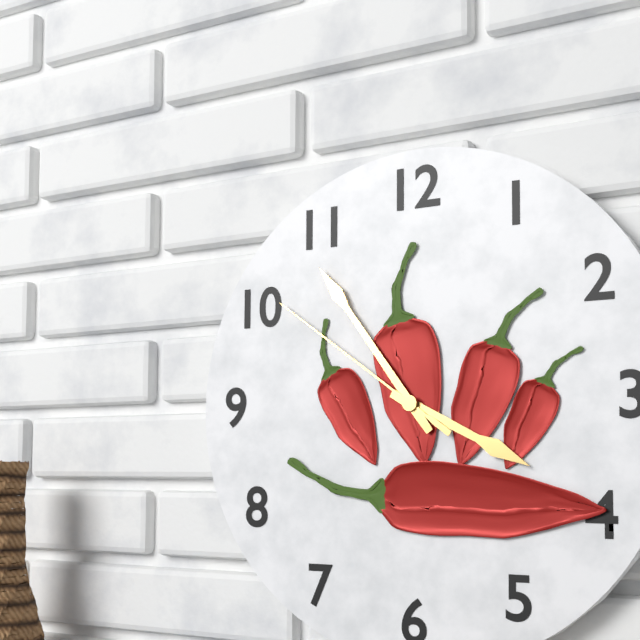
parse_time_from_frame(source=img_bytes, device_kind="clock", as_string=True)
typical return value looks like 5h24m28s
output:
3h54m51s
